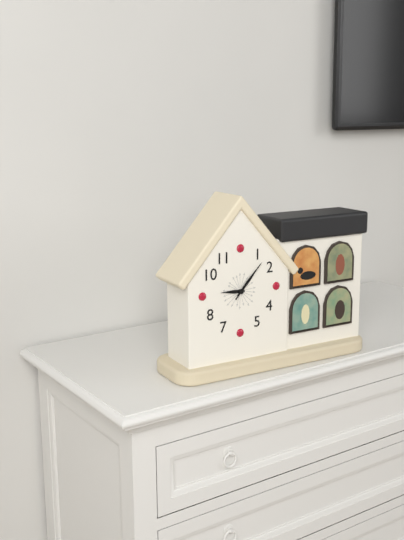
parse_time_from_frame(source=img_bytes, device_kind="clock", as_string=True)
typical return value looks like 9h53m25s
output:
9h07m07s
